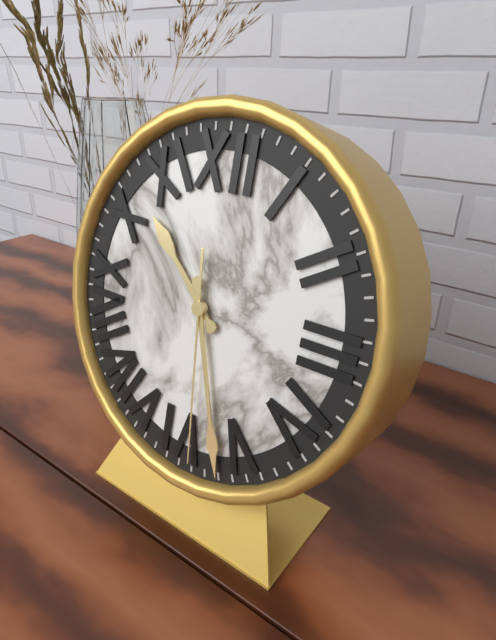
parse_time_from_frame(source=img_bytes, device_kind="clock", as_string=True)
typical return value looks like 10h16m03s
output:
10h27m29s
